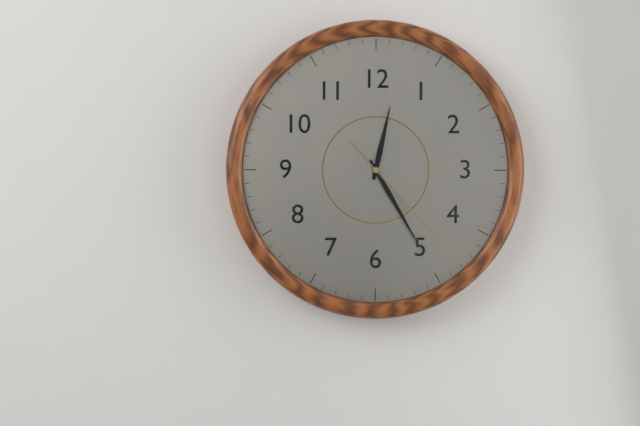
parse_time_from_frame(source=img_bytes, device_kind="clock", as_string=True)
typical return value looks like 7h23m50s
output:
12h25m23s
